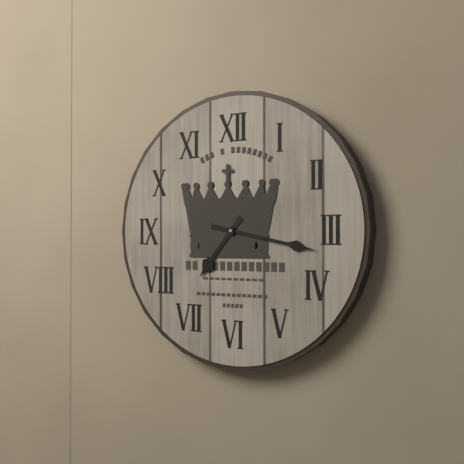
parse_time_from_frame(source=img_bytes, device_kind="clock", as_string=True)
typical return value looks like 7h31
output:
7h17
